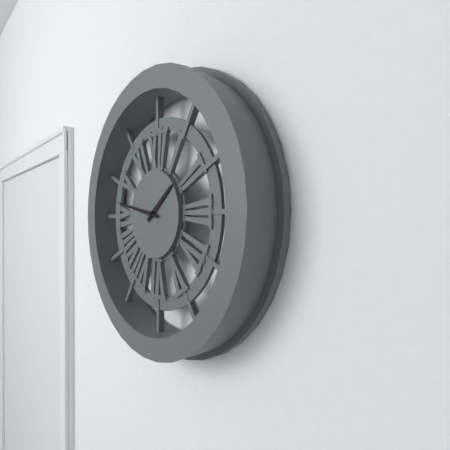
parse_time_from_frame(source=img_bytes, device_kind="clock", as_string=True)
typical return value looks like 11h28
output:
1h47
